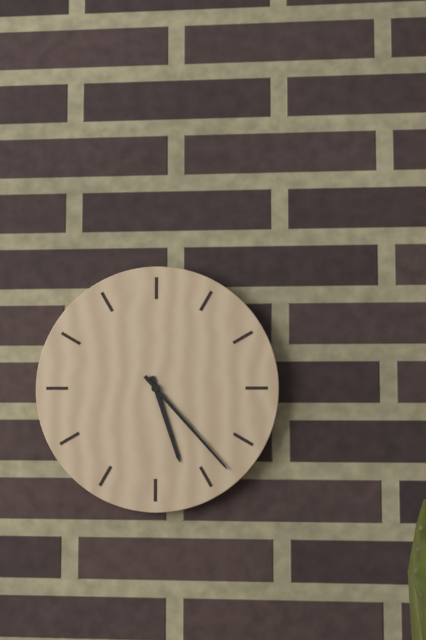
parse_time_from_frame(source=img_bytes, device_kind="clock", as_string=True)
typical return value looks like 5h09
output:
5h23
